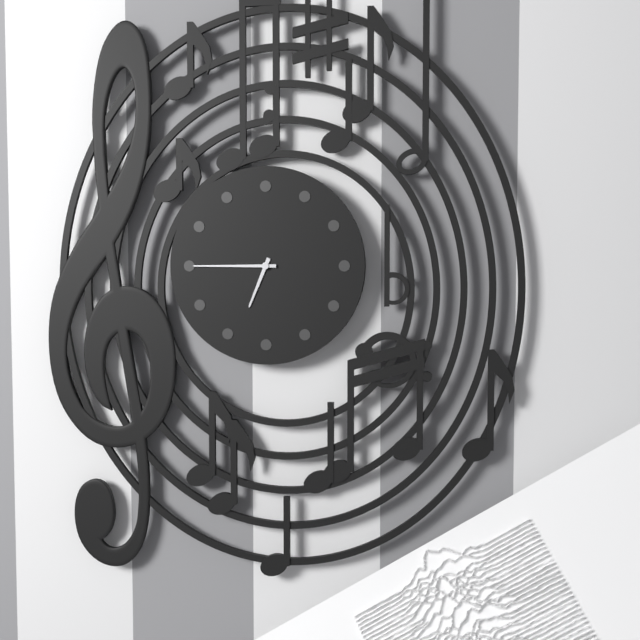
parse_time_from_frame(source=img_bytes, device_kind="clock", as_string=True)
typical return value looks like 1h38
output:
6h45
